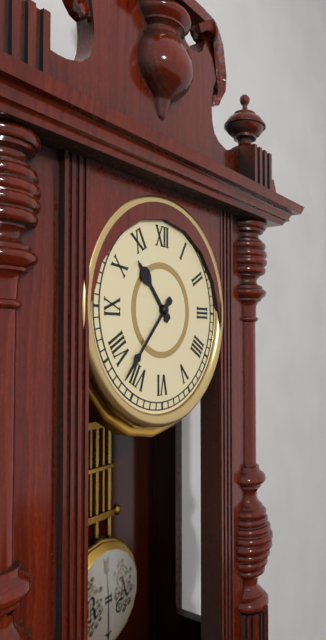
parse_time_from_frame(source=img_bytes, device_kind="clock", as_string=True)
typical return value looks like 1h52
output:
10h37
